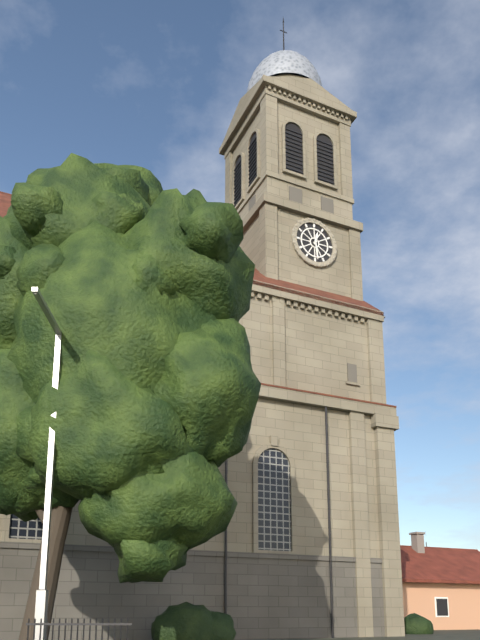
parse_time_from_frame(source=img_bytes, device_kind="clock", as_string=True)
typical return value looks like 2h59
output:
12h29
